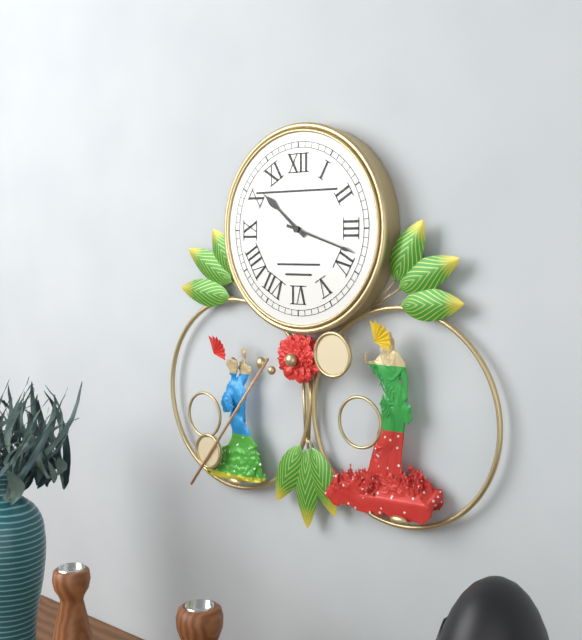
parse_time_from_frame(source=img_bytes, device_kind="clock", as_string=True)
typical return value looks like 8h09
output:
10h18
